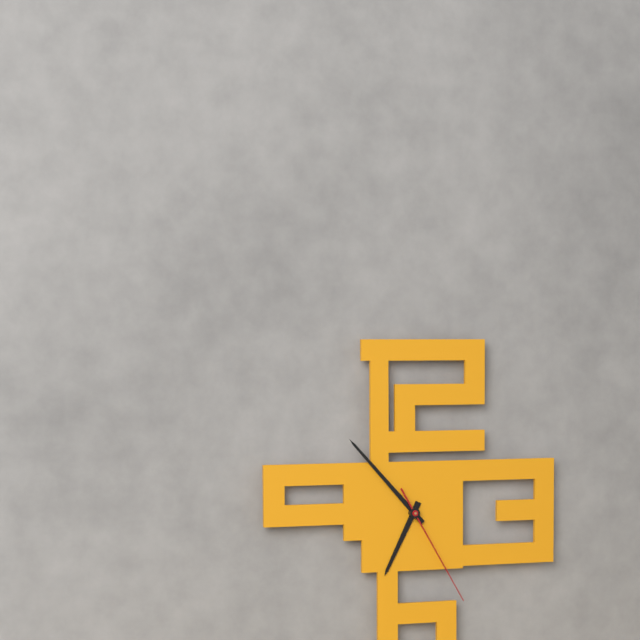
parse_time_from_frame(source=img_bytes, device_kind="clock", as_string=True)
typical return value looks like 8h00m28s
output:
6h53m25s
